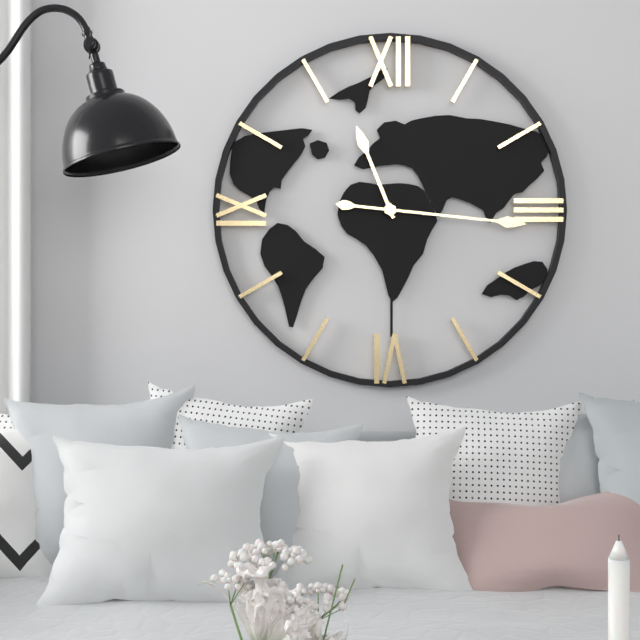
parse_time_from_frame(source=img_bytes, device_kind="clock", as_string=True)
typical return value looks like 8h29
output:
11h16
